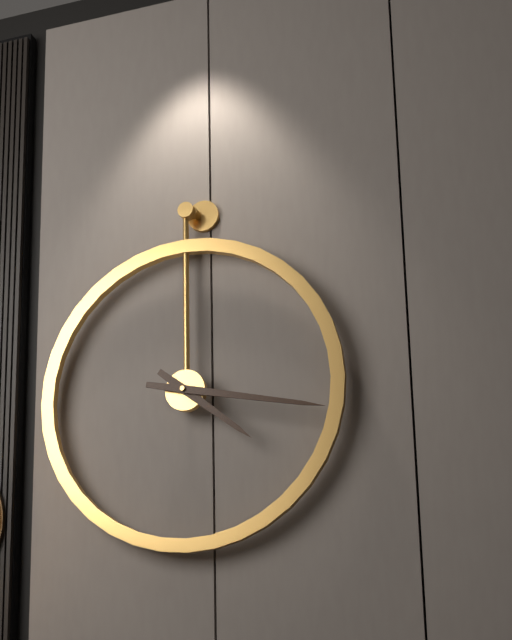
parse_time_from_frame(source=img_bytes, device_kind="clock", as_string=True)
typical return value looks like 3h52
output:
4h17
